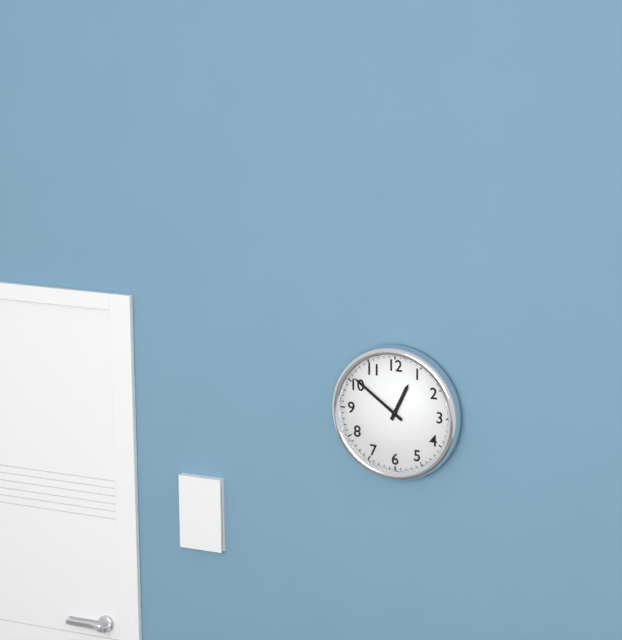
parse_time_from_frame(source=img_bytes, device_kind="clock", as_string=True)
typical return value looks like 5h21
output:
12h51
